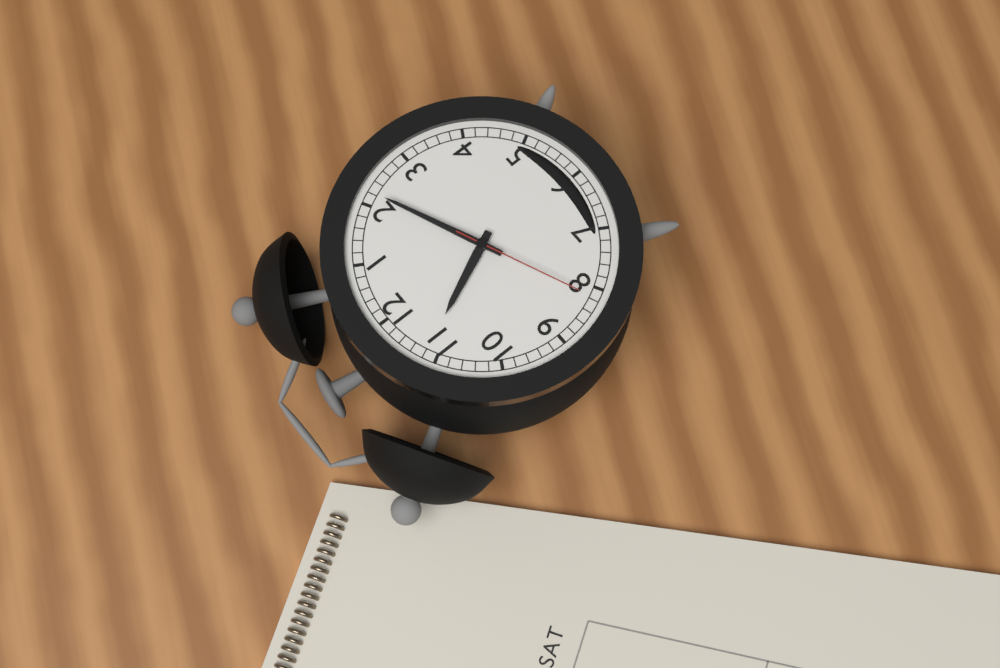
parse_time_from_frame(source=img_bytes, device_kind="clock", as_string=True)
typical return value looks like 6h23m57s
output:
11h11m41s
